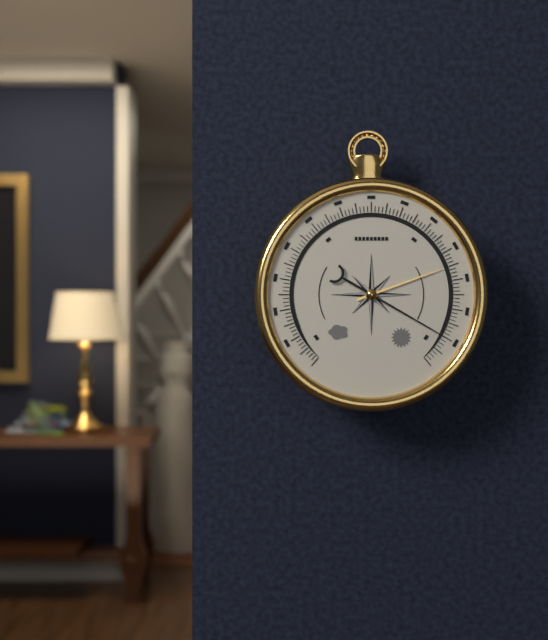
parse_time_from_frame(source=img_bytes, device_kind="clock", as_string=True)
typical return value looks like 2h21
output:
2h20
